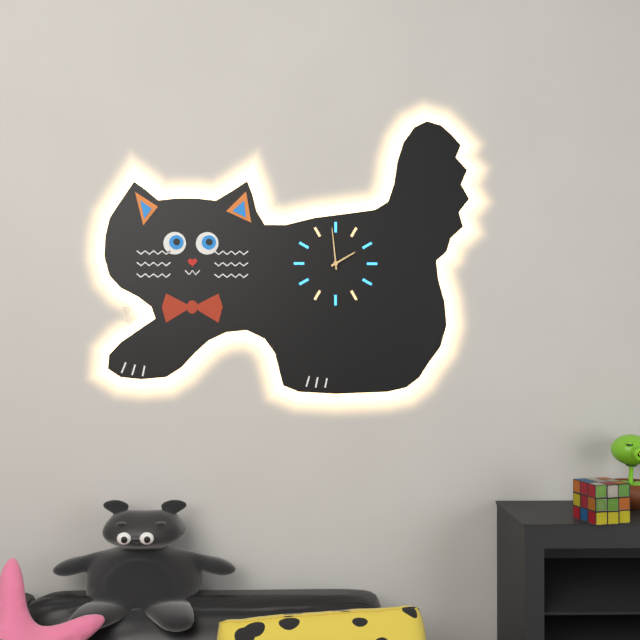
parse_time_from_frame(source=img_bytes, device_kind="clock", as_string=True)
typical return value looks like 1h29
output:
1h59
